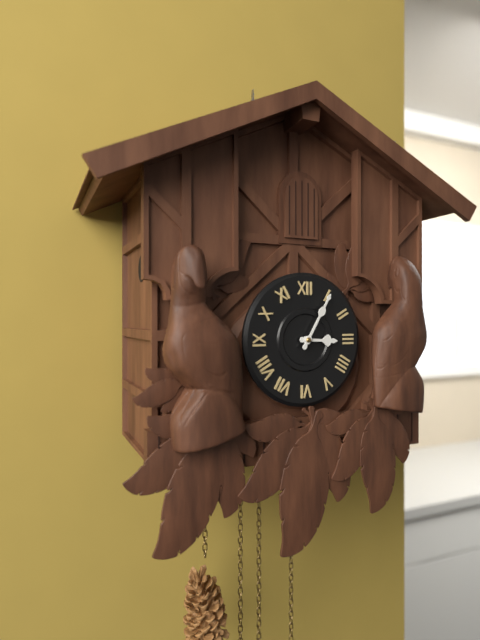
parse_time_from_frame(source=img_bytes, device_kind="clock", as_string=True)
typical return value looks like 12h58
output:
3h05
